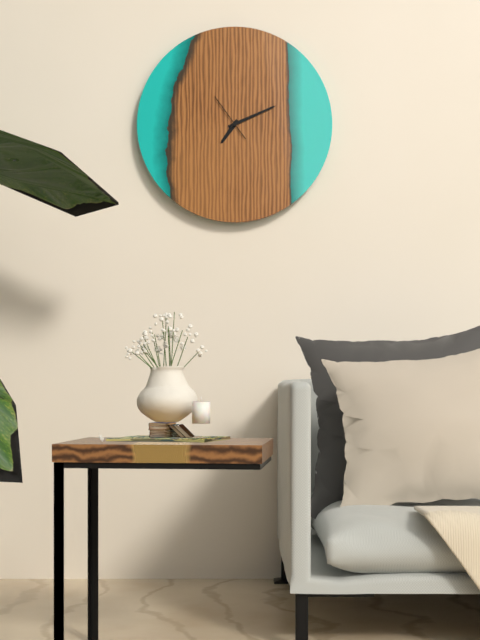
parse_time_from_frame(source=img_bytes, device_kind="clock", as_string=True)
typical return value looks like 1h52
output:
7h11
